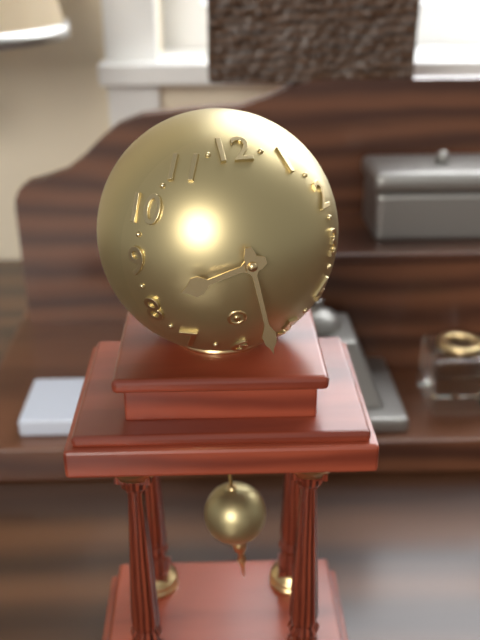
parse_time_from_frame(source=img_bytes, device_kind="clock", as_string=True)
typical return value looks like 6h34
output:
8h28
